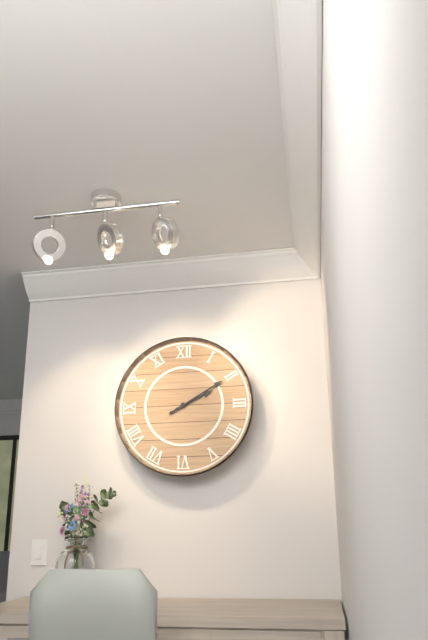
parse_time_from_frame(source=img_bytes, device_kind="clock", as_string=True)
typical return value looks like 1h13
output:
2h10
